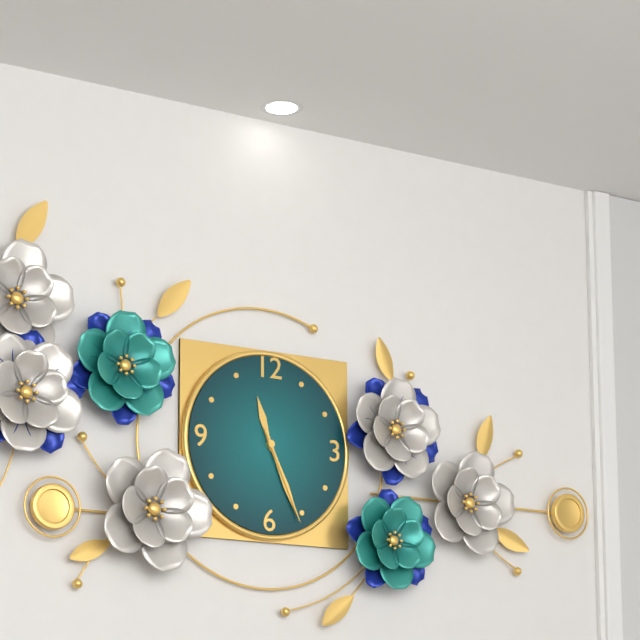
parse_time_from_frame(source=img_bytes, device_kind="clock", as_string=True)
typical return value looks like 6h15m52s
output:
11h26m26s
